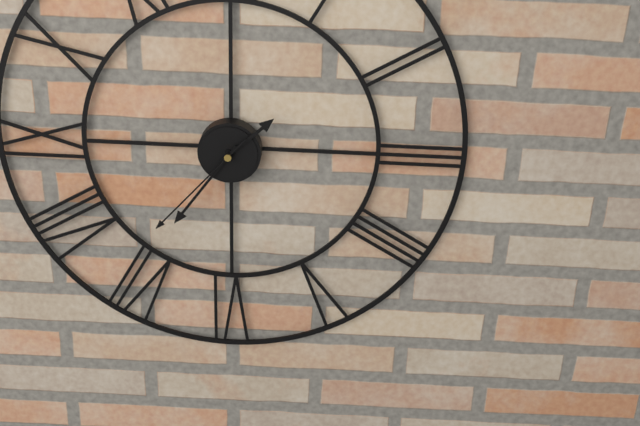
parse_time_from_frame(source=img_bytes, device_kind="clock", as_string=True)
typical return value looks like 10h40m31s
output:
1h36m37s
